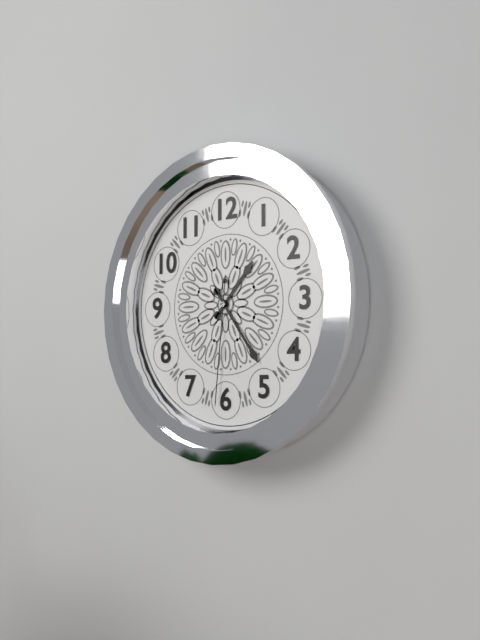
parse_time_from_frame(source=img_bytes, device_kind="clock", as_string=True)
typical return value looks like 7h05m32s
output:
1h24m31s
